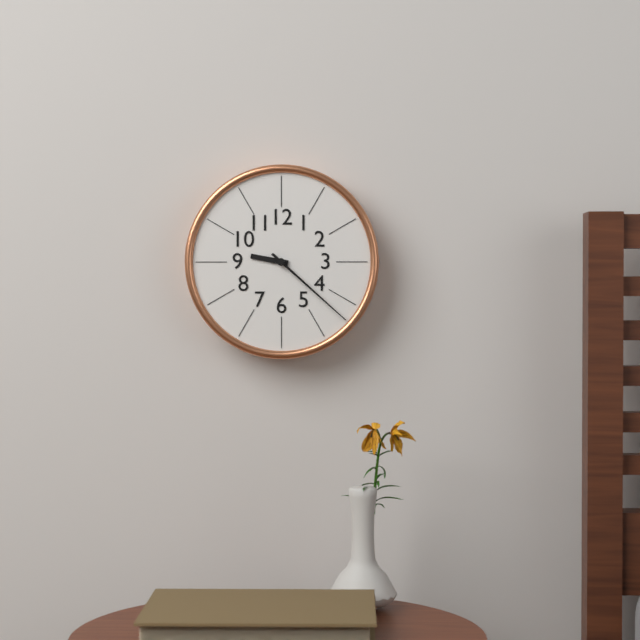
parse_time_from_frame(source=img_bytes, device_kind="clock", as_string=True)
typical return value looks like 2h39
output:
9h22
